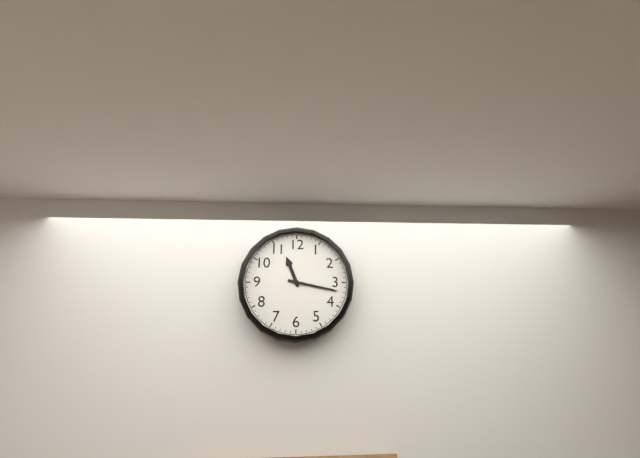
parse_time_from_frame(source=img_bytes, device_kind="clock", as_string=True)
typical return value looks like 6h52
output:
11h17
